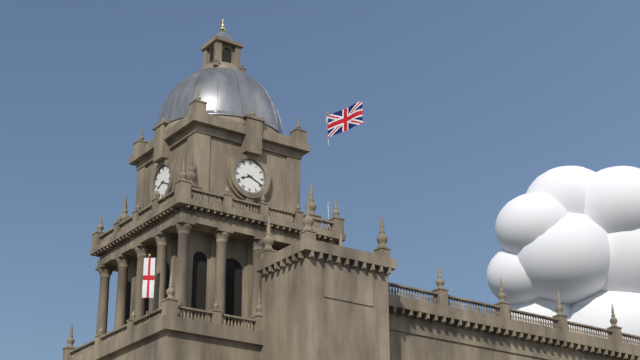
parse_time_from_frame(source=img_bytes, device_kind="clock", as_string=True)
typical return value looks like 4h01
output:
8h19
